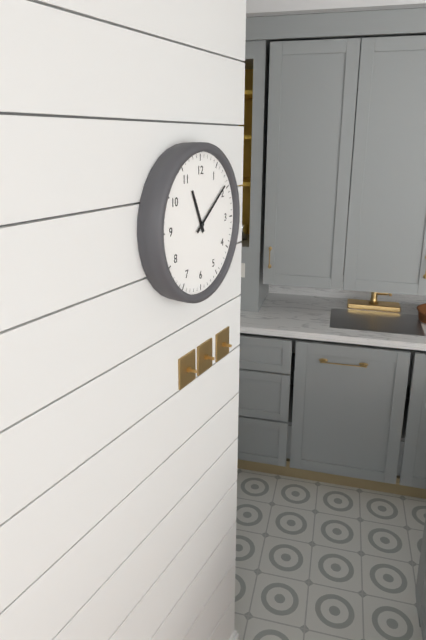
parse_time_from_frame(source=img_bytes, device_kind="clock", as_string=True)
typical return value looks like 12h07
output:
11h09
